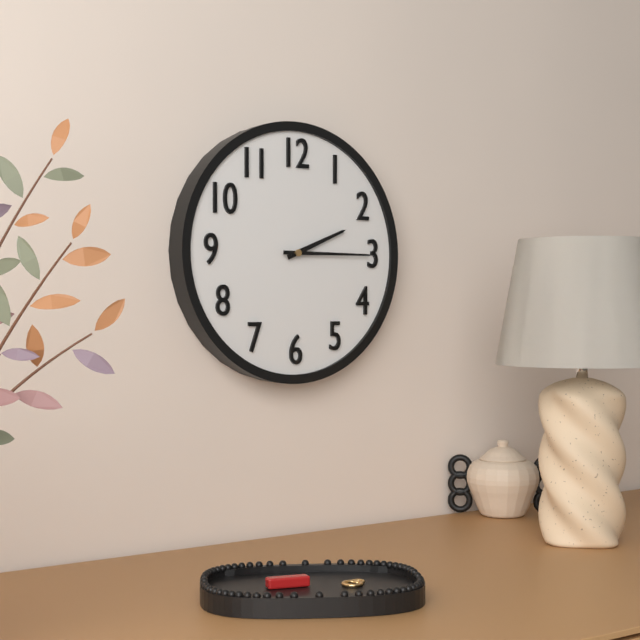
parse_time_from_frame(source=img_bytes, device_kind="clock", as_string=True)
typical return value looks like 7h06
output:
2h15
